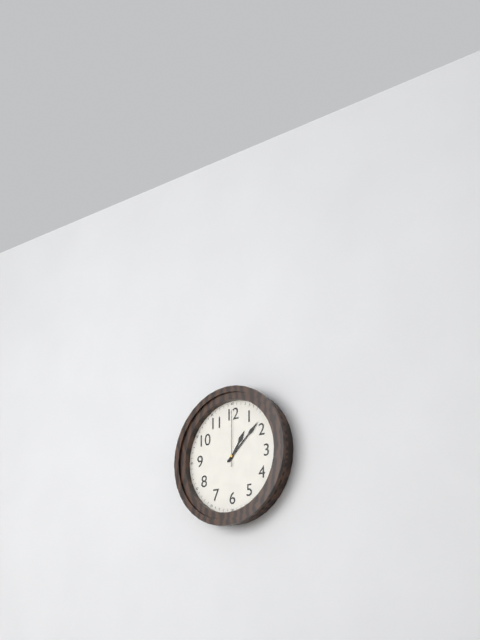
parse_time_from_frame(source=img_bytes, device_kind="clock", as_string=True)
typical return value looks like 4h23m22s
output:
1h08m00s
